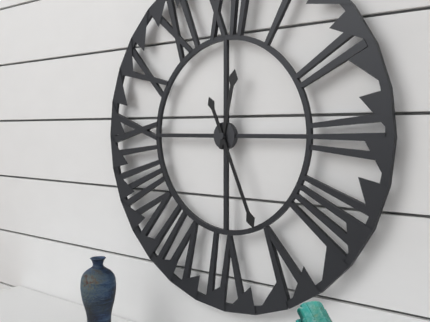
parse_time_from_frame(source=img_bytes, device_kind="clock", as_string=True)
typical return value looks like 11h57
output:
12h26
